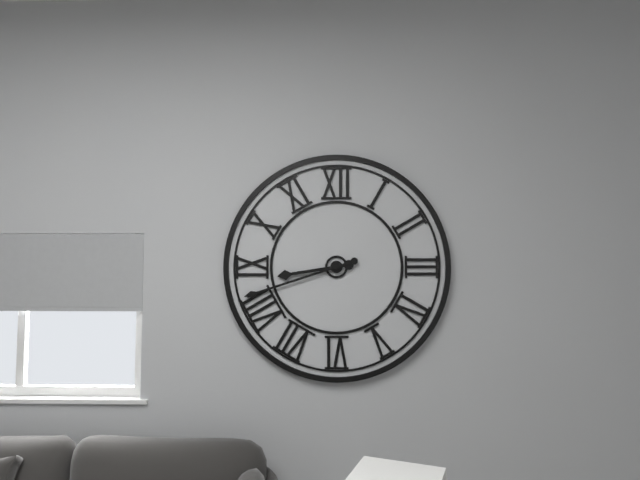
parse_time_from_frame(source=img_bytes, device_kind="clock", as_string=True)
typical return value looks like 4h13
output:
8h42
